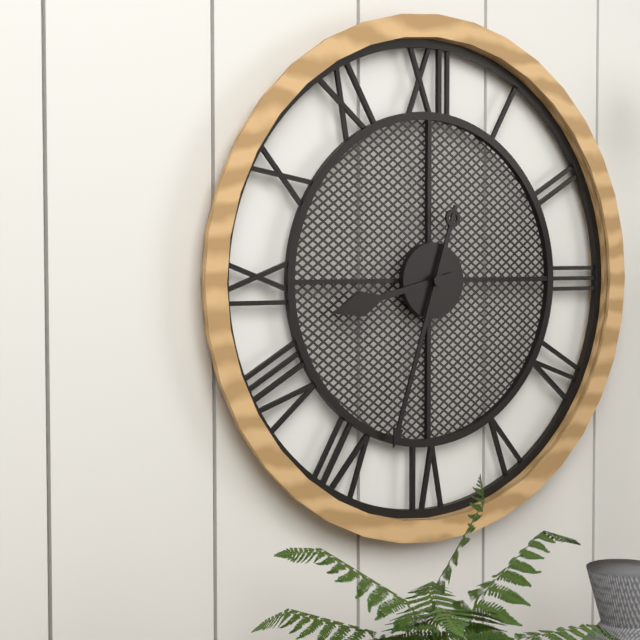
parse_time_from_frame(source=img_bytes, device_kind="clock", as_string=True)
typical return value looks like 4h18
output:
8h33
